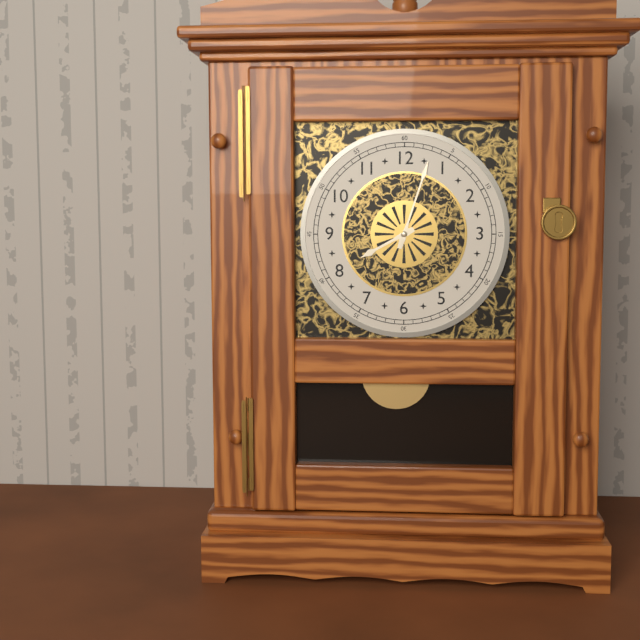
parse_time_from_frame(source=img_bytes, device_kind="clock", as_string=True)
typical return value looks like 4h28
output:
8h03
